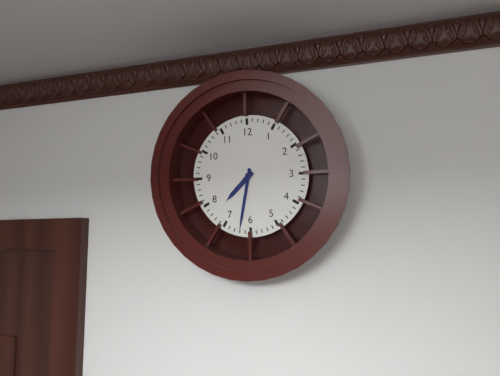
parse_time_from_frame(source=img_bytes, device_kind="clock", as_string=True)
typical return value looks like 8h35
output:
7h32
